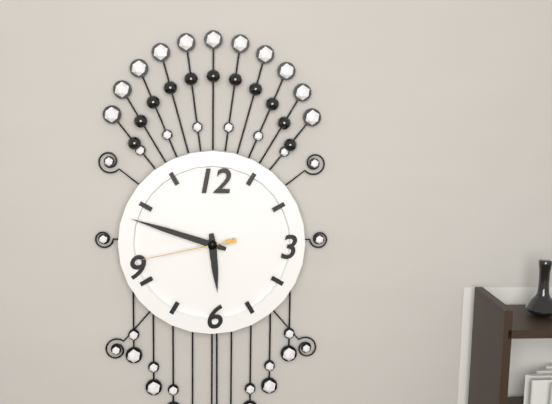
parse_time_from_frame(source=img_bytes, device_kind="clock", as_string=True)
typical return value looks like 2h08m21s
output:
5h48m43s
